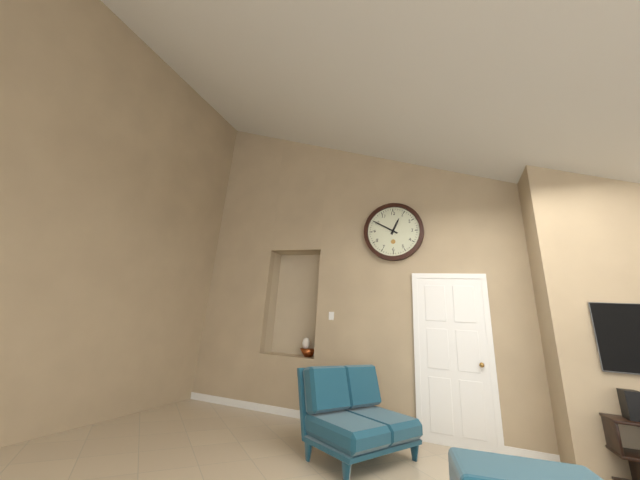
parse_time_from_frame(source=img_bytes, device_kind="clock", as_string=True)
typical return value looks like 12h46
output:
12h50
